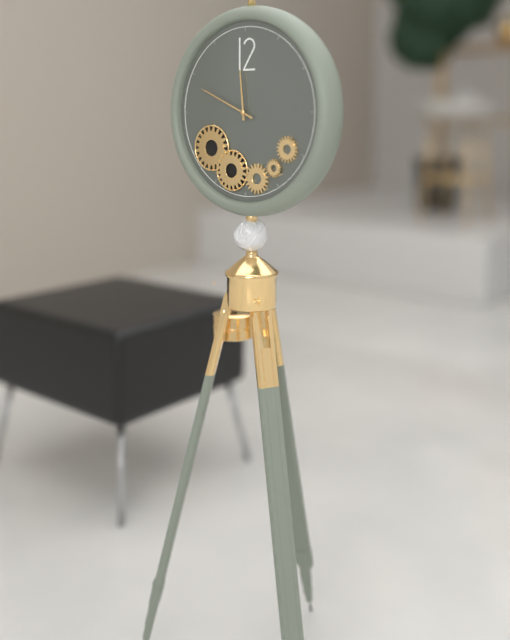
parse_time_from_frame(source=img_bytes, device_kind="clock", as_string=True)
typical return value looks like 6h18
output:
11h49
